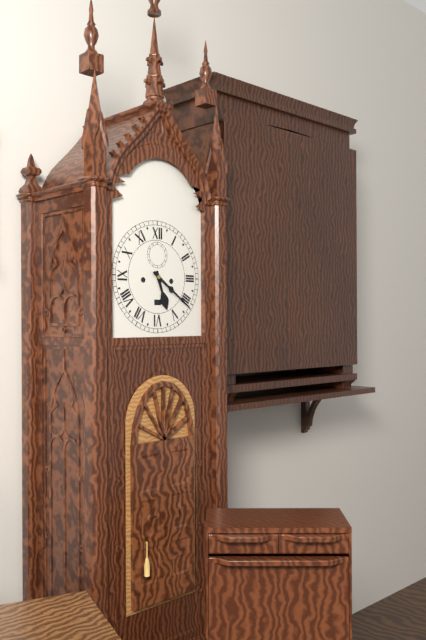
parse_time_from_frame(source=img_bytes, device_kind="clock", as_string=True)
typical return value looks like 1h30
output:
5h21
